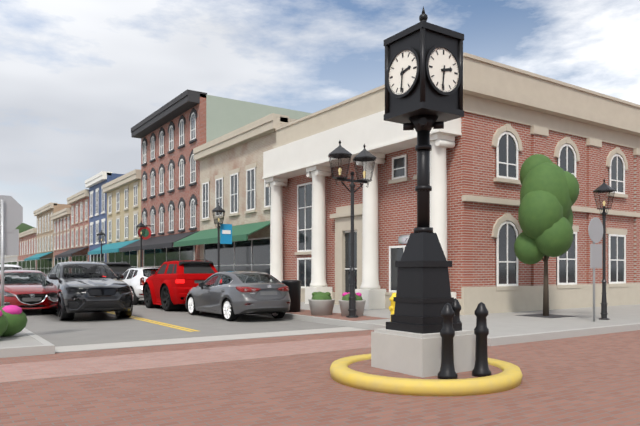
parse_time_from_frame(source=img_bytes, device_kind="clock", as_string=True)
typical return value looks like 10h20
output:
2h31
